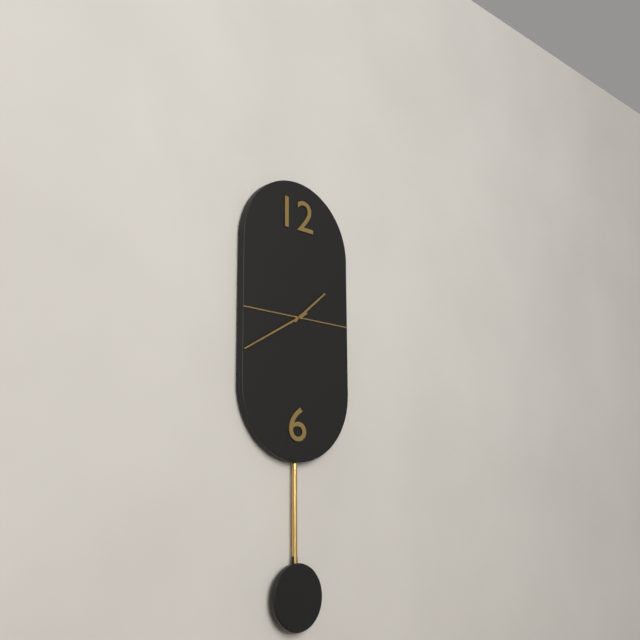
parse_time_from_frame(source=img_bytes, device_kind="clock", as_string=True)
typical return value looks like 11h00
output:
1h40
